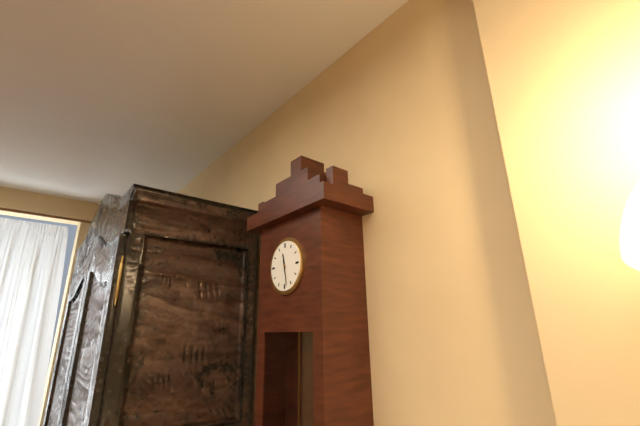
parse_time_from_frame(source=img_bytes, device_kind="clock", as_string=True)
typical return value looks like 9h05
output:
11h28
